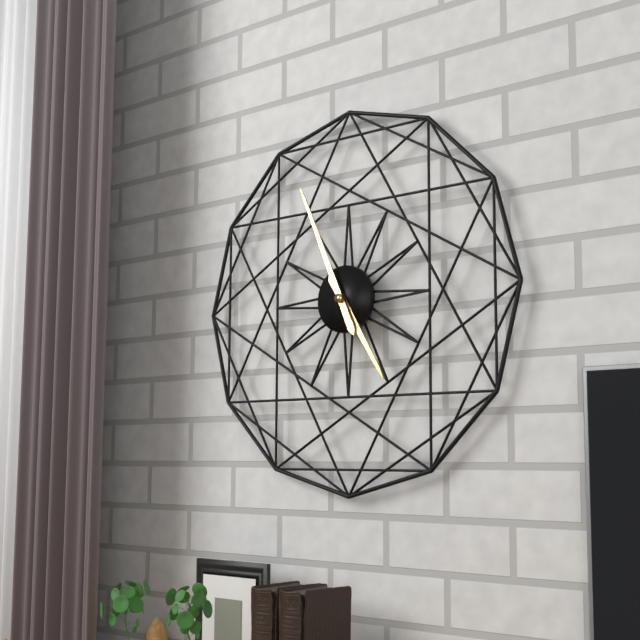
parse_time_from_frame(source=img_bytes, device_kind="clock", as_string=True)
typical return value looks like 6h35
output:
4h56
